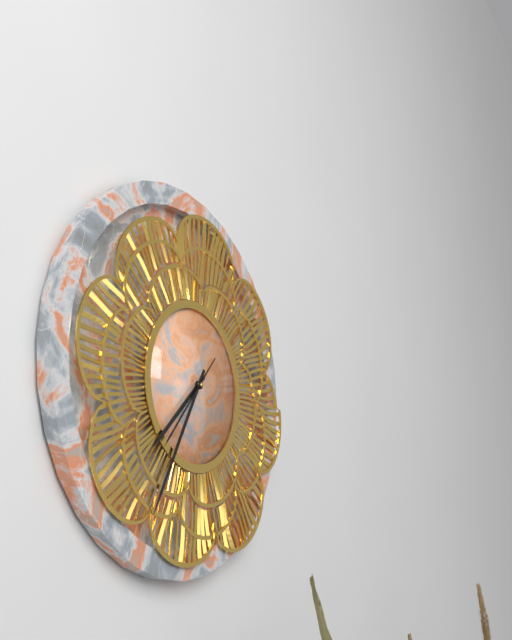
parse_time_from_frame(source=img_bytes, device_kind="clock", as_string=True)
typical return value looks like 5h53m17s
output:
7h35m37s
